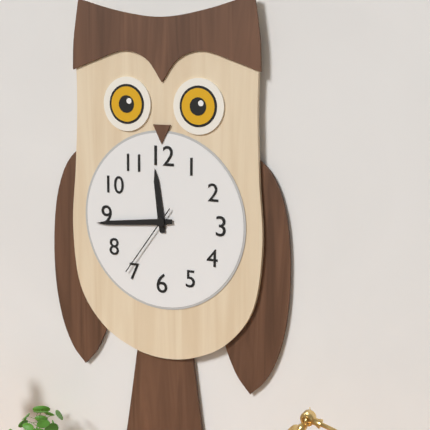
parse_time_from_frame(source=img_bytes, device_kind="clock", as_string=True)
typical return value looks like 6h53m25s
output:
11h44m36s
